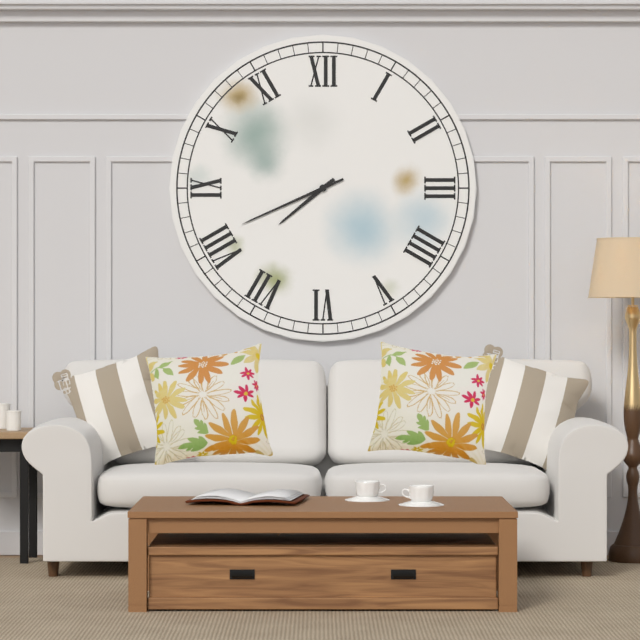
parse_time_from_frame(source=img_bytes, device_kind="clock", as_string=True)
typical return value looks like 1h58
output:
7h41
